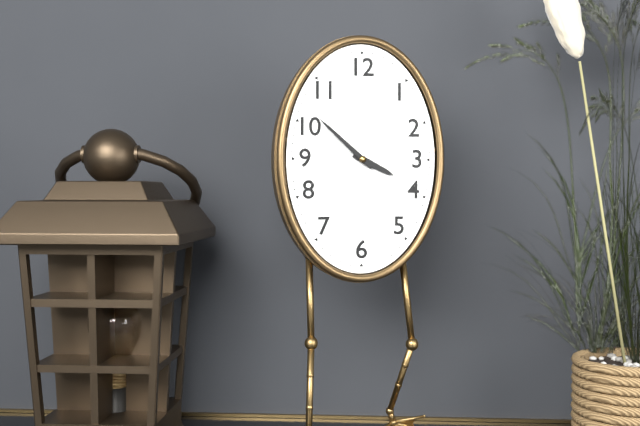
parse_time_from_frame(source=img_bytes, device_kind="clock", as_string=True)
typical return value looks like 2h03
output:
3h52
